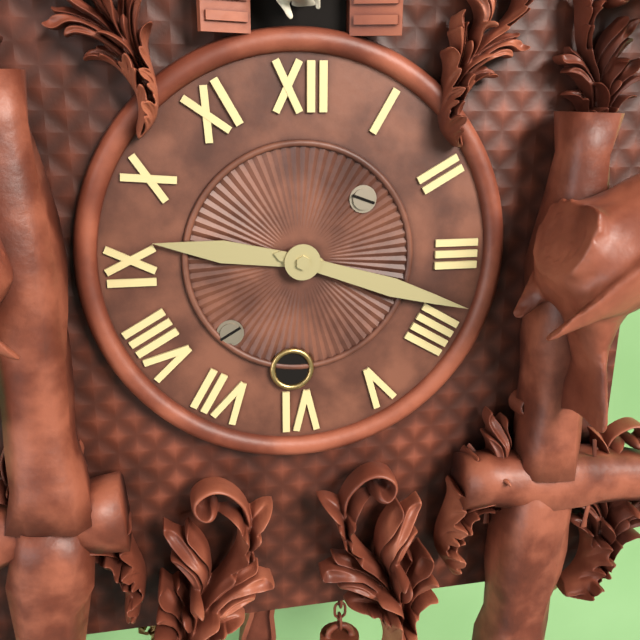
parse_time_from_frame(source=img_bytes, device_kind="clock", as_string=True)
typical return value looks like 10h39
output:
9h18
